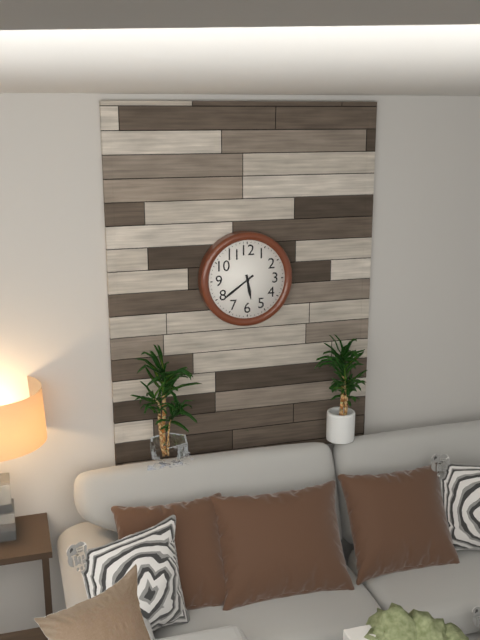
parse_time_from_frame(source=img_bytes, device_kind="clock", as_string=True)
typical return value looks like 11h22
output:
5h39
